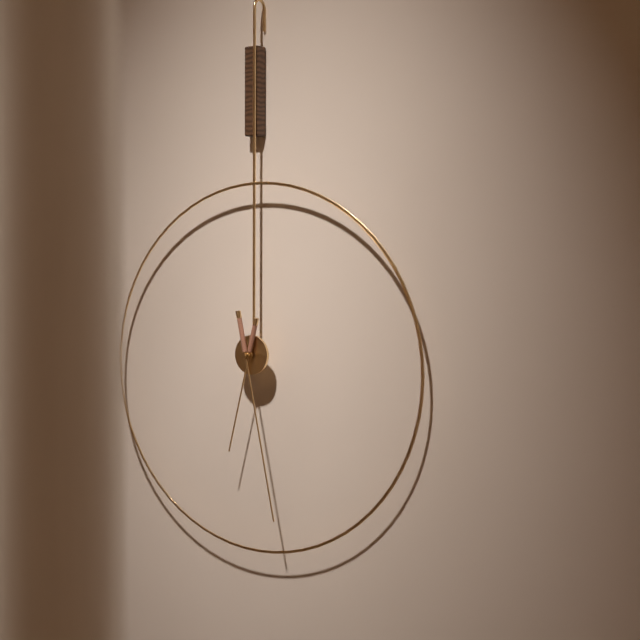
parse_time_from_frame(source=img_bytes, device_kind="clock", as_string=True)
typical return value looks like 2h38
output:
6h28
